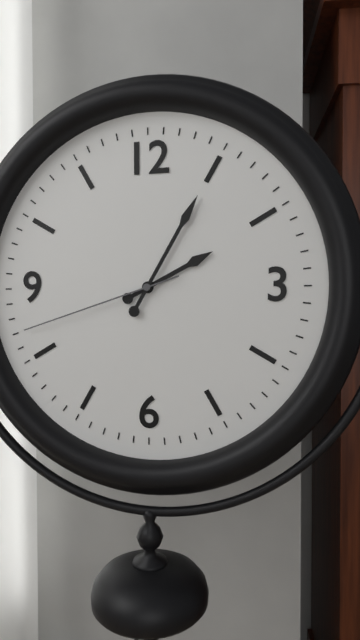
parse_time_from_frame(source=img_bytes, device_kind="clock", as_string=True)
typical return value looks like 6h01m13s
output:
2h05m42s
